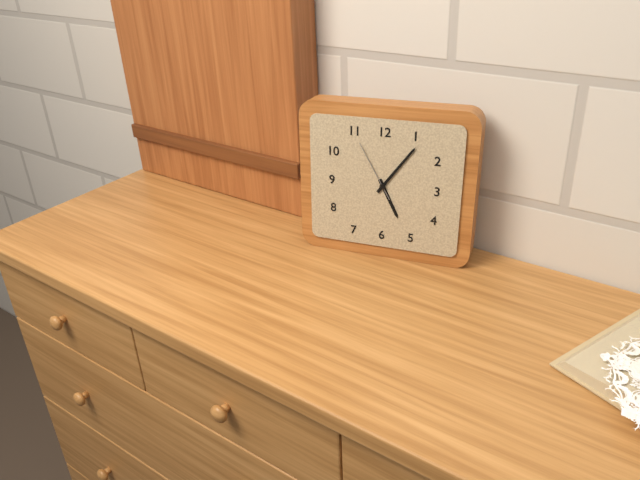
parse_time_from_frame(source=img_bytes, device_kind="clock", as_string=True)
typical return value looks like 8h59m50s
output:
5h06m55s
